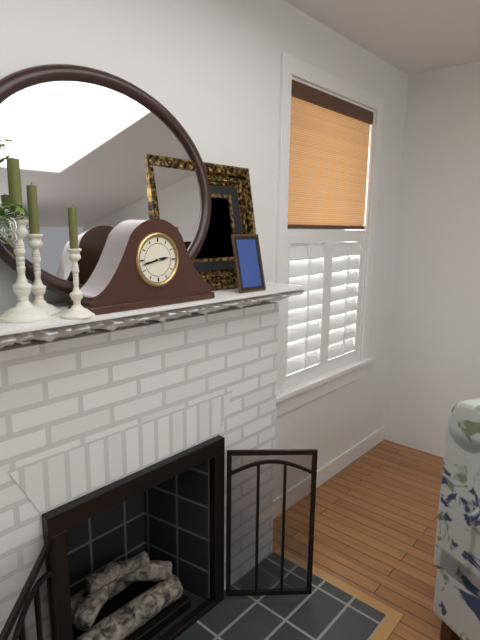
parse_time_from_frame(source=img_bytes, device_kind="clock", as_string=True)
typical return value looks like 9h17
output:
2h43
